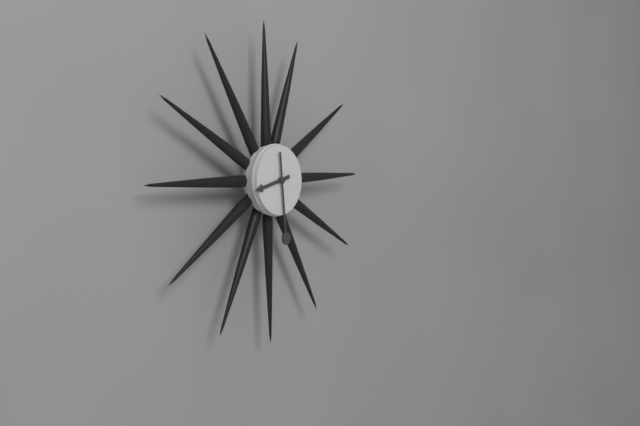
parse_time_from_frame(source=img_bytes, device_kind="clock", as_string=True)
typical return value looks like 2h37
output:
8h29
